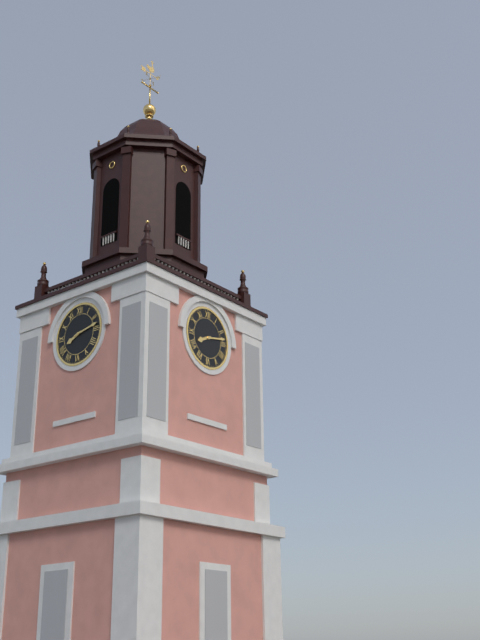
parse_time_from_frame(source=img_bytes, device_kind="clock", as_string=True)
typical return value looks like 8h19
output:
8h13
